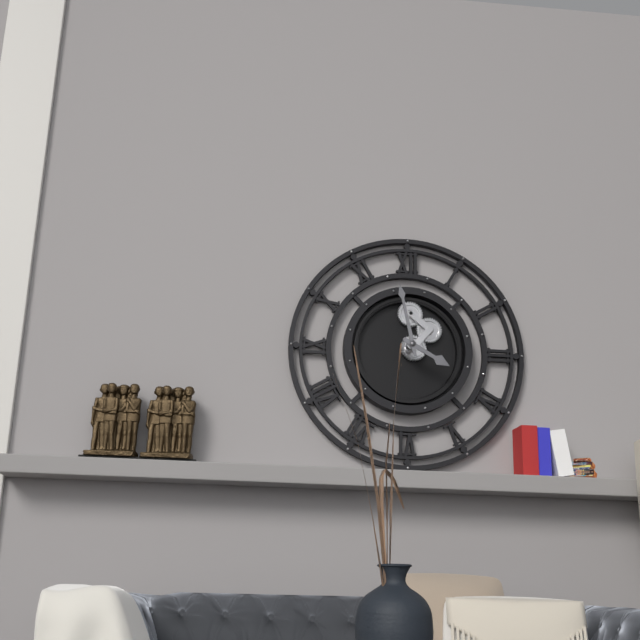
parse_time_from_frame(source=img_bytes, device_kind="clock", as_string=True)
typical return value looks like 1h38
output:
3h58
